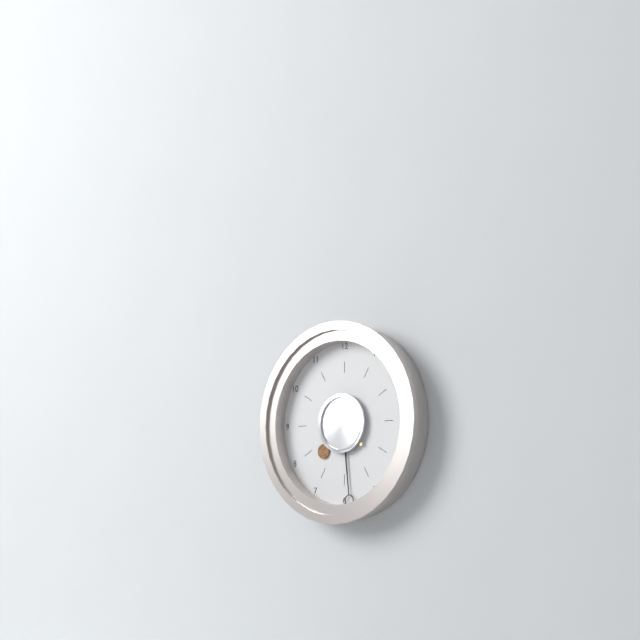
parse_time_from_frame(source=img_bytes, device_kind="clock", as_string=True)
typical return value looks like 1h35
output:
7h29
